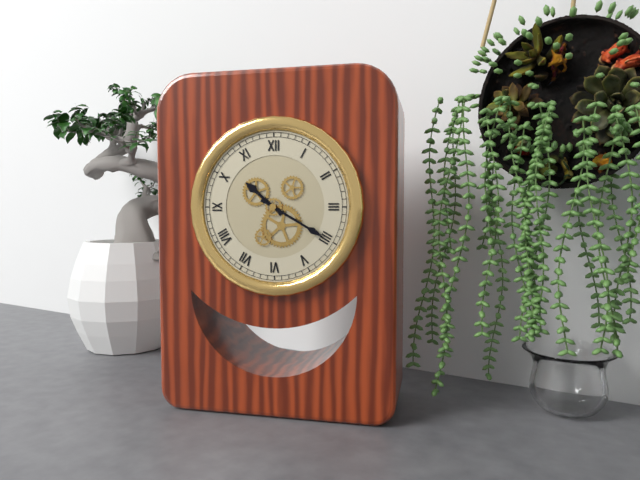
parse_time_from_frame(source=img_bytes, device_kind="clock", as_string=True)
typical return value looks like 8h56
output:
10h20
